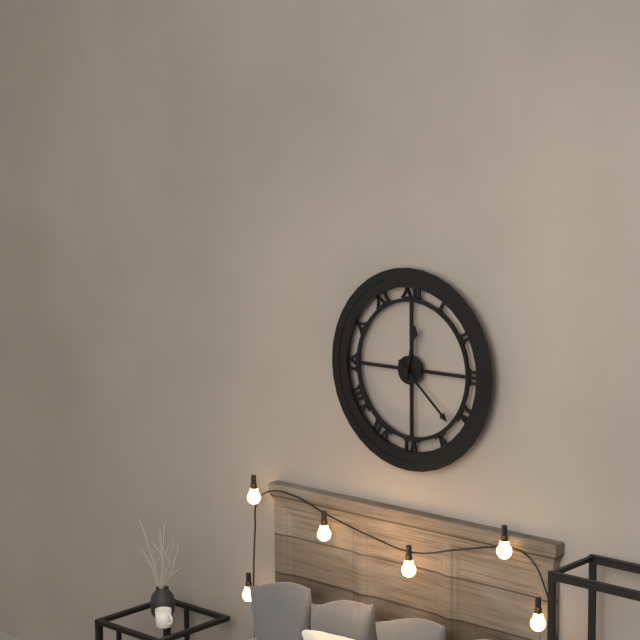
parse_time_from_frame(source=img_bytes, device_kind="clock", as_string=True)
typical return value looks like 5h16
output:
12h22
